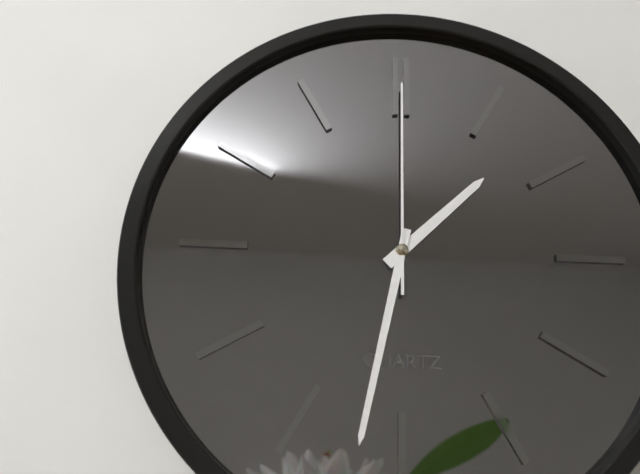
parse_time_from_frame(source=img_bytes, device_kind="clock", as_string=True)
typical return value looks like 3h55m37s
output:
1h32m00s
